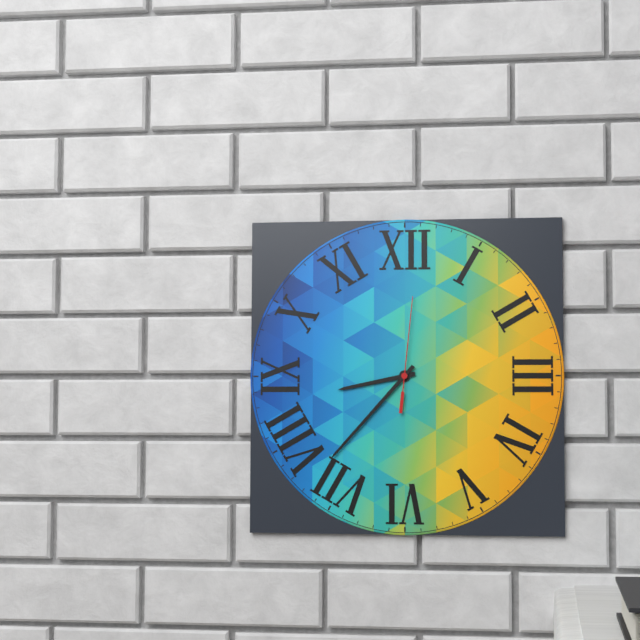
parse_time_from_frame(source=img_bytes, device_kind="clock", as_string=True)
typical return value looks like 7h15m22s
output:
8h37m01s
